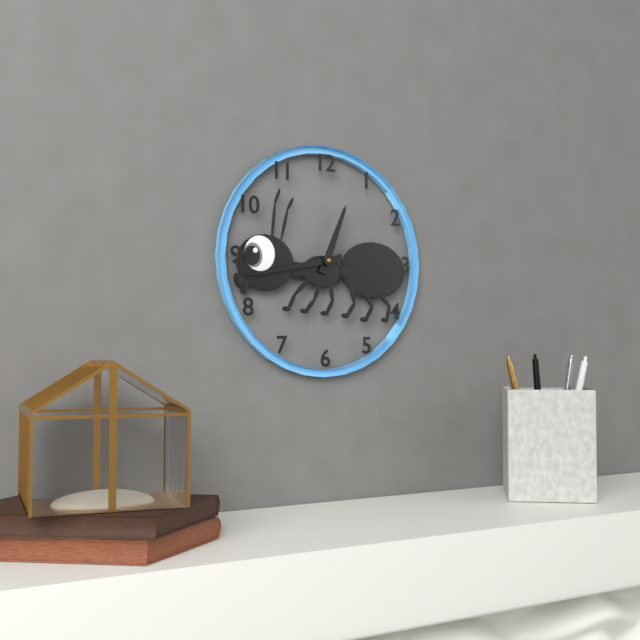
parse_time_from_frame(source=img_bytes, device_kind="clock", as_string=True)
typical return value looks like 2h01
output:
12h43
